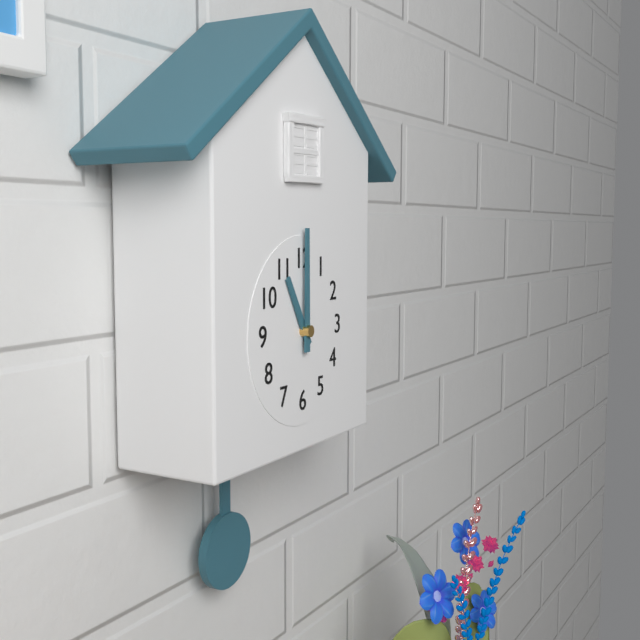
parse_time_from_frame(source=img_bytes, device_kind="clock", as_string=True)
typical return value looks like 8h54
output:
11h00
